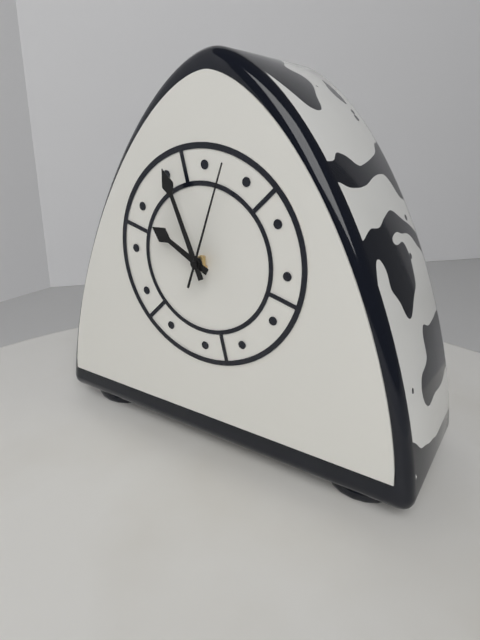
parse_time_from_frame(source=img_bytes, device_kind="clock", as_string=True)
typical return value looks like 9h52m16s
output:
9h56m03s
